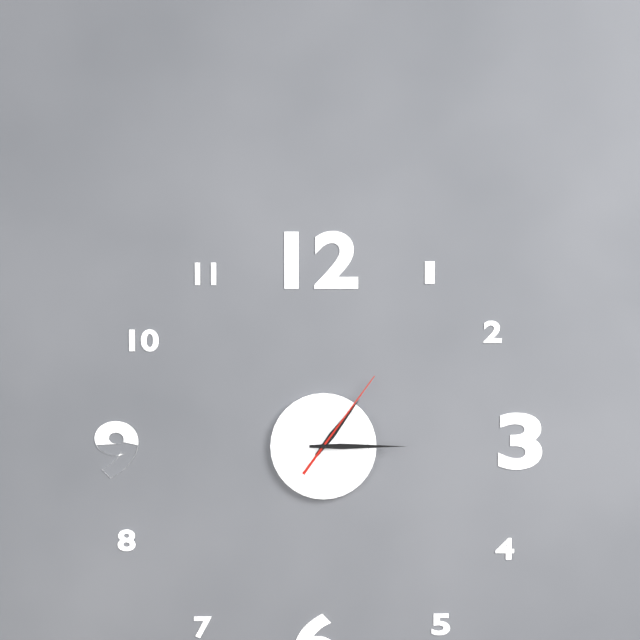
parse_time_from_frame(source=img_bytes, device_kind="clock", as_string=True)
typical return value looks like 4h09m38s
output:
1h15m06s
